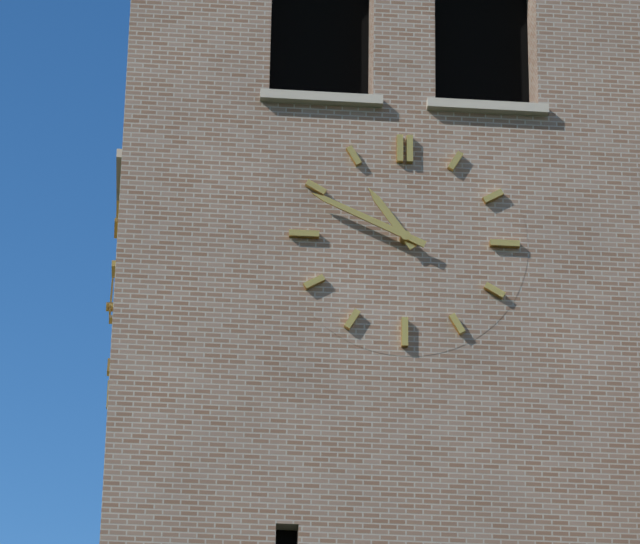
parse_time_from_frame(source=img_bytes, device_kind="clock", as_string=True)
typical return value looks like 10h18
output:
10h49
